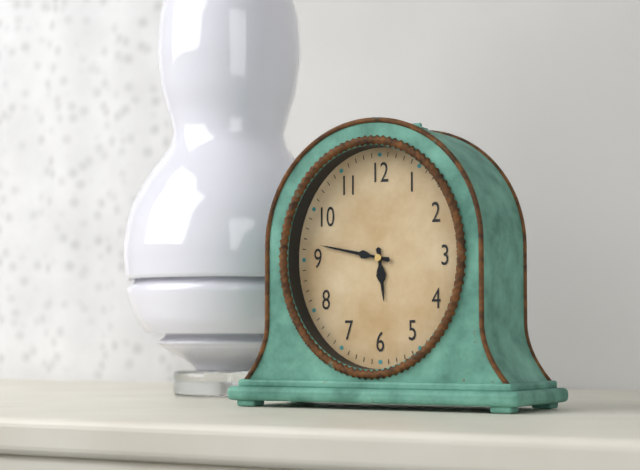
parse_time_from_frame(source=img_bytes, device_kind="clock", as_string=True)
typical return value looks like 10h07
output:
5h47
